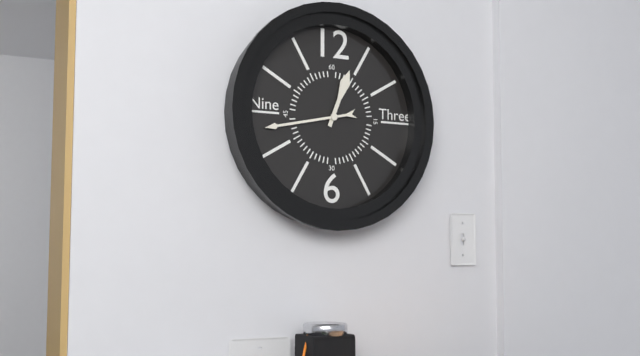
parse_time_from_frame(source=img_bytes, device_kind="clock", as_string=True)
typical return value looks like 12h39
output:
12h43
